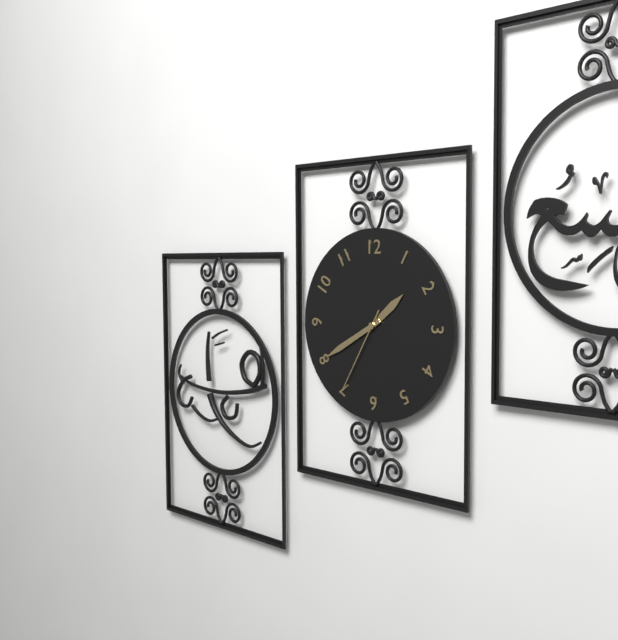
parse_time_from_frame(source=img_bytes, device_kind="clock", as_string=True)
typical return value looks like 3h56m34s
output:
1h40m35s
